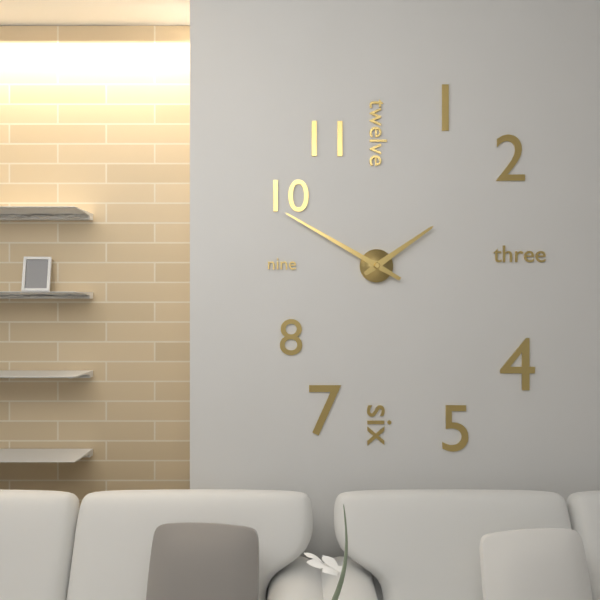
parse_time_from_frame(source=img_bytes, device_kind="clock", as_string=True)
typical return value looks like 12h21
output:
1h50
